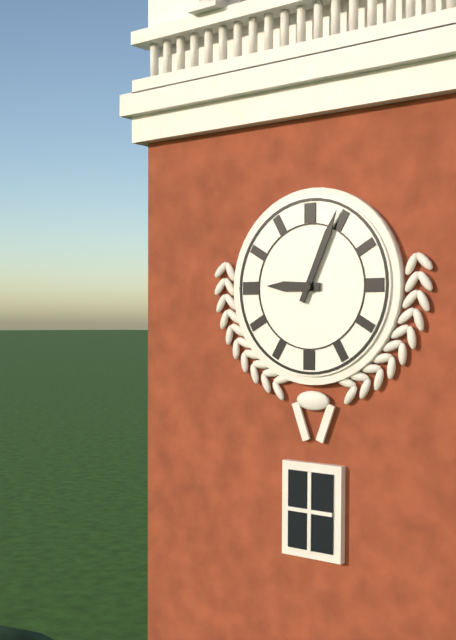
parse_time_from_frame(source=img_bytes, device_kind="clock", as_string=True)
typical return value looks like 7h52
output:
9h04
